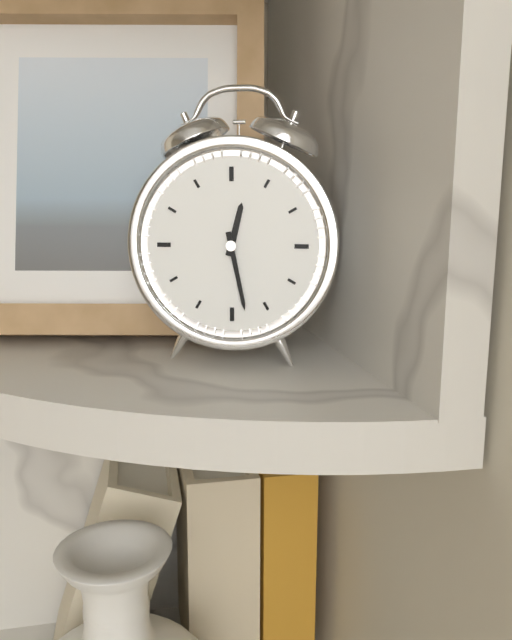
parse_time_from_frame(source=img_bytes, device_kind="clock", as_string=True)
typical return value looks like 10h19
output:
12h28
